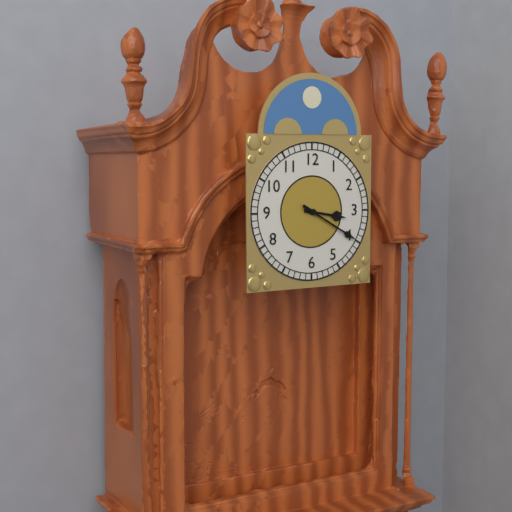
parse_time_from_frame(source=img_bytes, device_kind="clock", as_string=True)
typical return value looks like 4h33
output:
3h20
